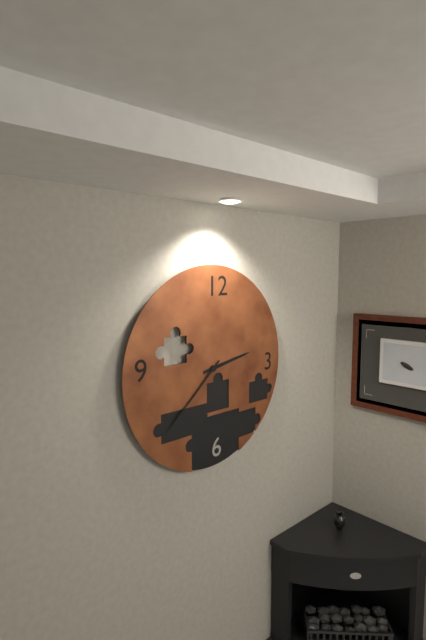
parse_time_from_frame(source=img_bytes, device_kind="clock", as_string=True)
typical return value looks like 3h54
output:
2h38
